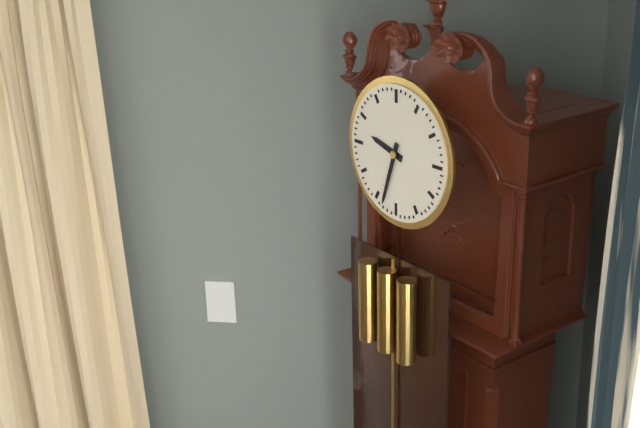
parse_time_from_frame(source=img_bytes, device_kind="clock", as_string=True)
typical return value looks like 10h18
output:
9h33
